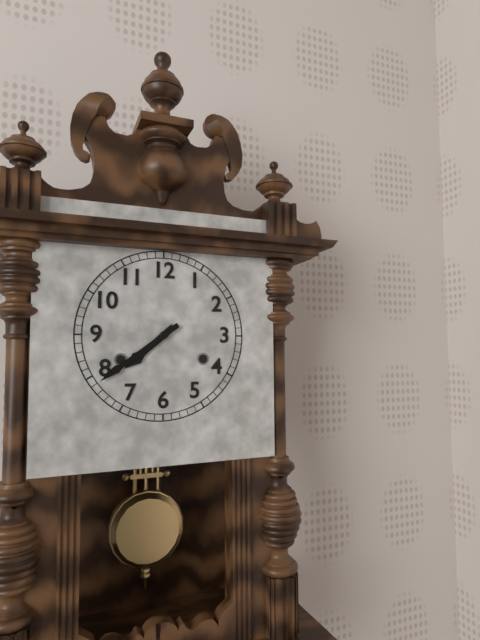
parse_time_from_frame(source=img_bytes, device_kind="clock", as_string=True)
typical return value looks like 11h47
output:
7h39
